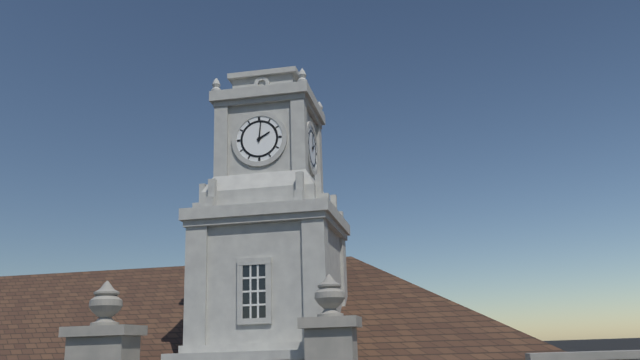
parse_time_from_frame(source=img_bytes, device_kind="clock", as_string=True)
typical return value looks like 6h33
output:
2h01
